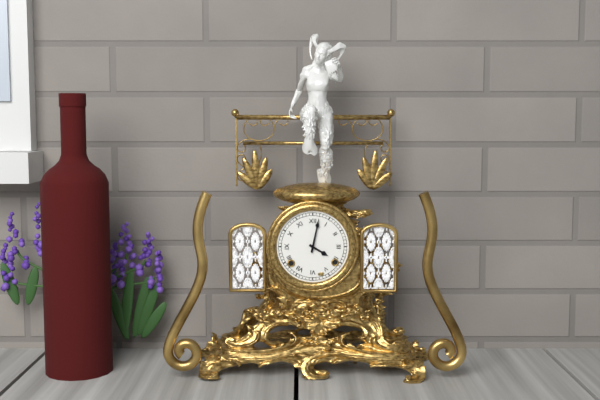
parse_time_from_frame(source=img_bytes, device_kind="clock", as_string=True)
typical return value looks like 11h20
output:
4h02
